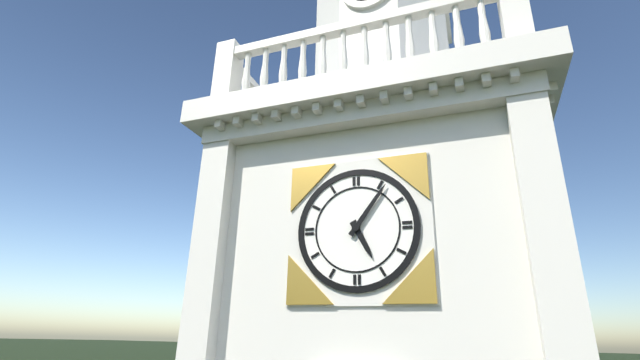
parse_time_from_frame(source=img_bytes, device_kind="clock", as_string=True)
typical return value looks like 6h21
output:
5h06
